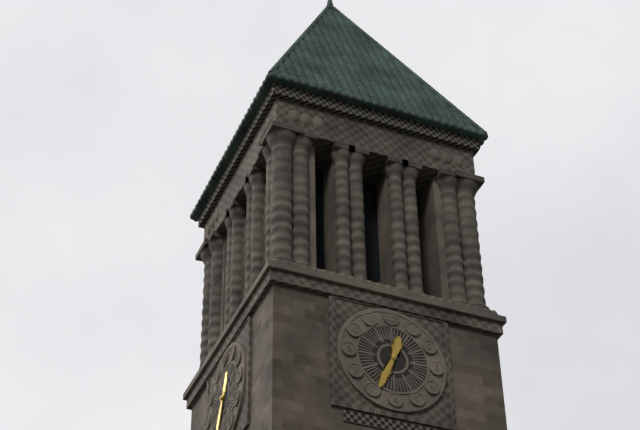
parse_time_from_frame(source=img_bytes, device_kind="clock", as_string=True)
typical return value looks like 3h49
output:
12h34
